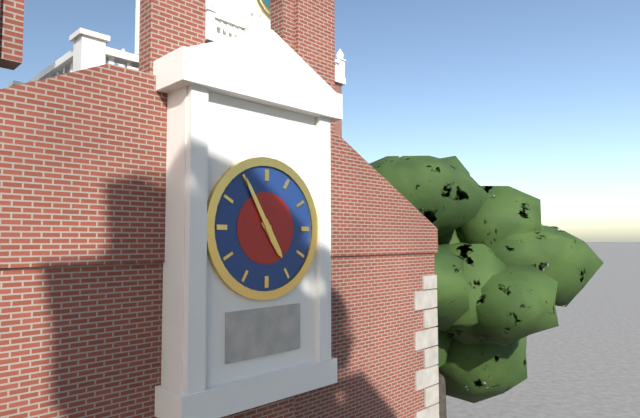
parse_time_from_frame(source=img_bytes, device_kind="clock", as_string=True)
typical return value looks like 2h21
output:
4h55
